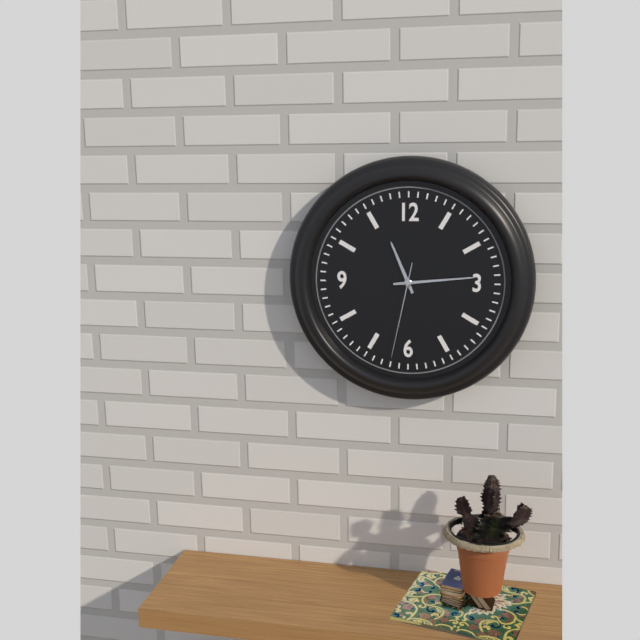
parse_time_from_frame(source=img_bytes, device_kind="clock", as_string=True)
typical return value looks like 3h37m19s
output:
11h14m32s
